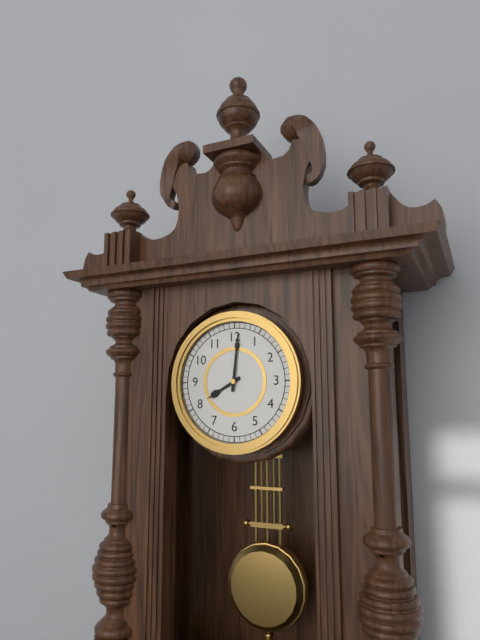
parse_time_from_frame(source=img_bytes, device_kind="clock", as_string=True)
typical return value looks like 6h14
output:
8h01
